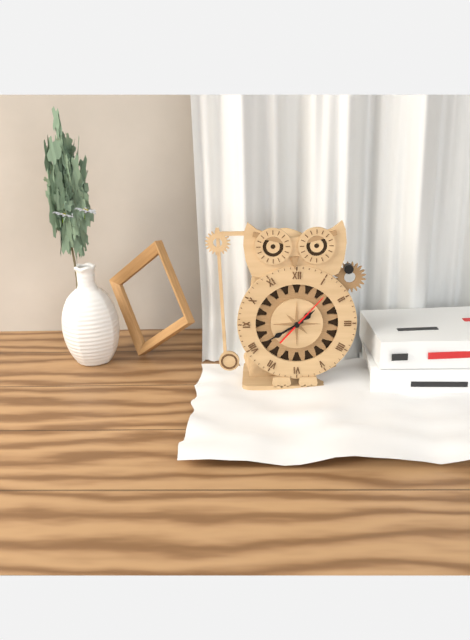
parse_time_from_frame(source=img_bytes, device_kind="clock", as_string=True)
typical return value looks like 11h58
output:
1h40
